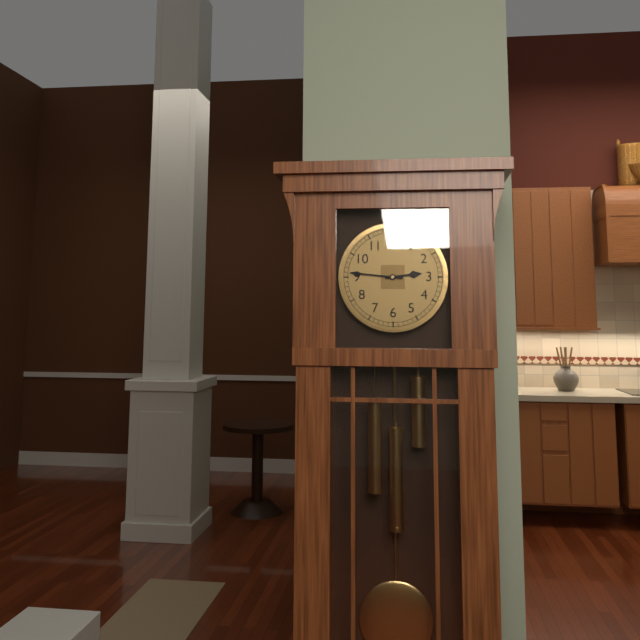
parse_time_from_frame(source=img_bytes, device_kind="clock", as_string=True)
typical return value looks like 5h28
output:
2h46
